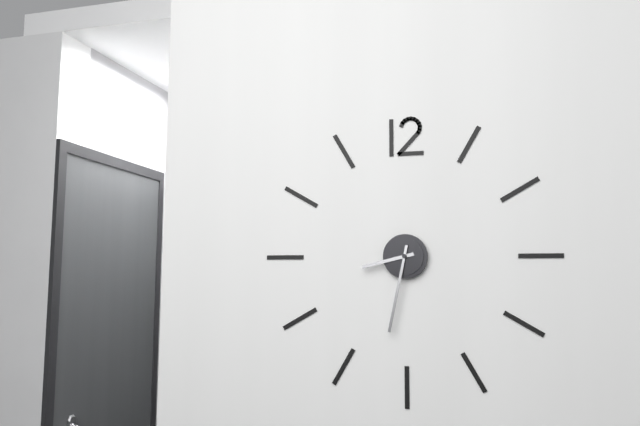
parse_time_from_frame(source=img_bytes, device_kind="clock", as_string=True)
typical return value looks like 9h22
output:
8h32
